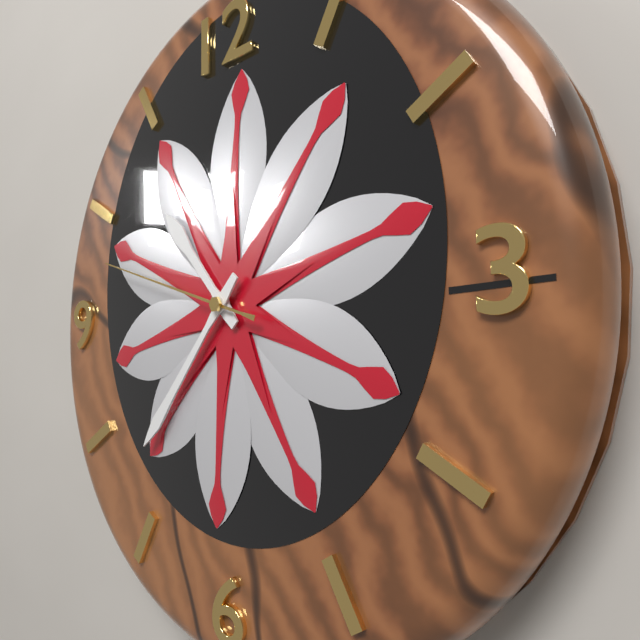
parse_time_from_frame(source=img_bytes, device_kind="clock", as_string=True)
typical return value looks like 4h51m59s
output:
10h37m48s
